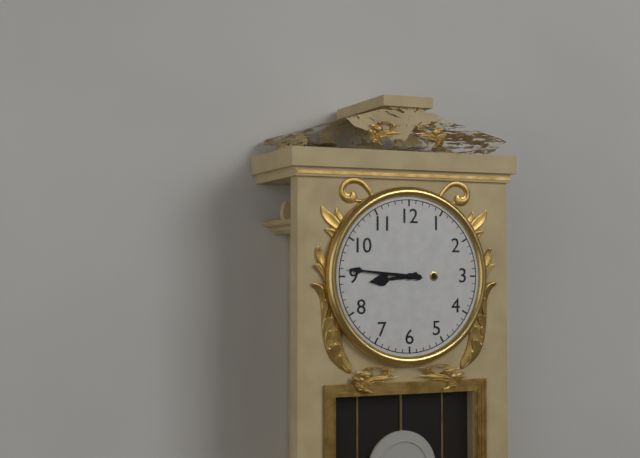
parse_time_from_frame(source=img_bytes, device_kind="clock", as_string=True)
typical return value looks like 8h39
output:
8h46
